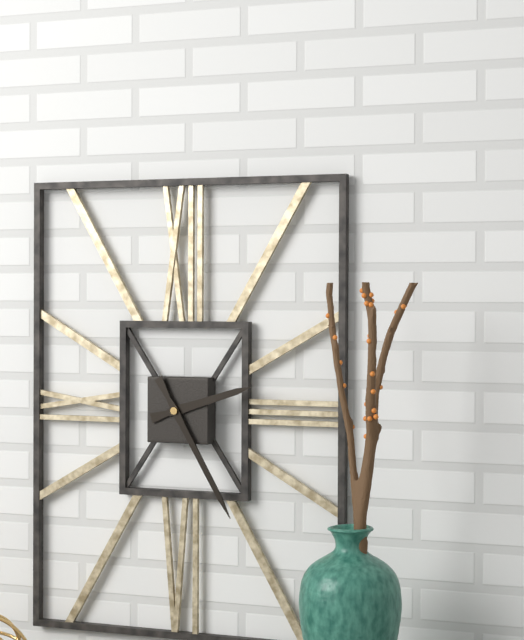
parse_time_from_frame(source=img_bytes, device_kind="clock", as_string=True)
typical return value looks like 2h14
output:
2h25
